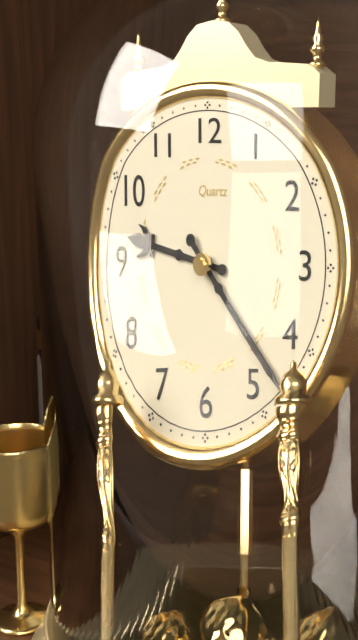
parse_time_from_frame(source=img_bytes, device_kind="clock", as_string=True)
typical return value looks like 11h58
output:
9h23
